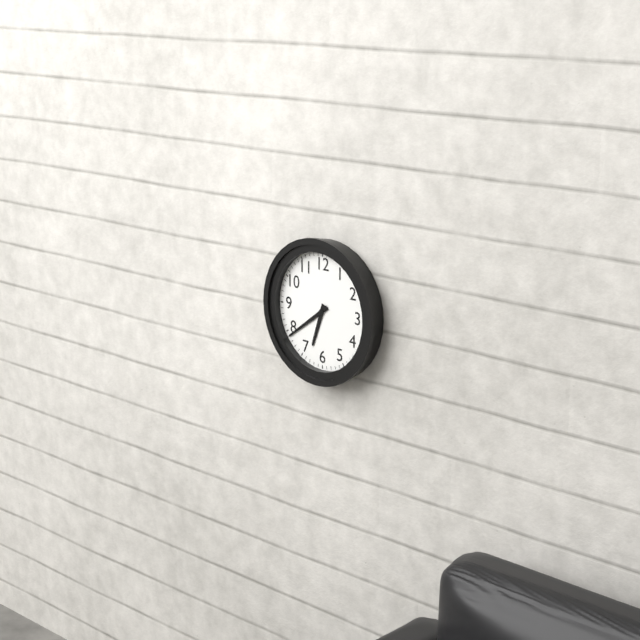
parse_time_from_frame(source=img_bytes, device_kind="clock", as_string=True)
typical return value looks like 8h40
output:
6h39
